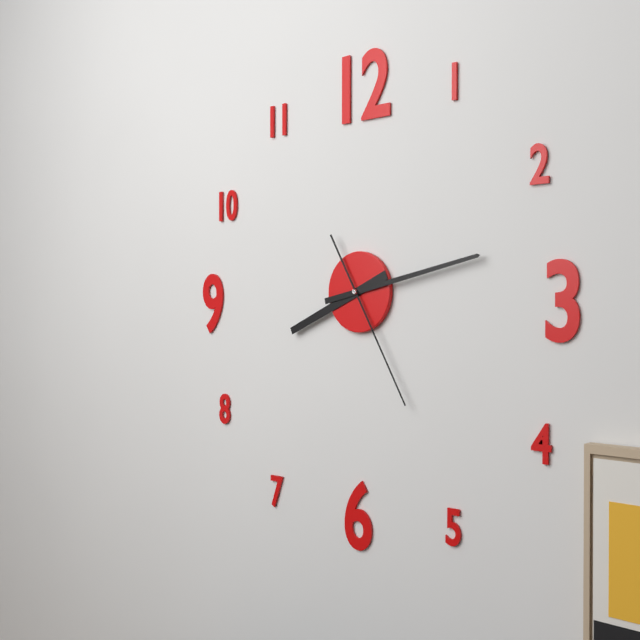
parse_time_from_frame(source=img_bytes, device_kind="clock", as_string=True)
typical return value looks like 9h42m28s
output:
8h13m25s
